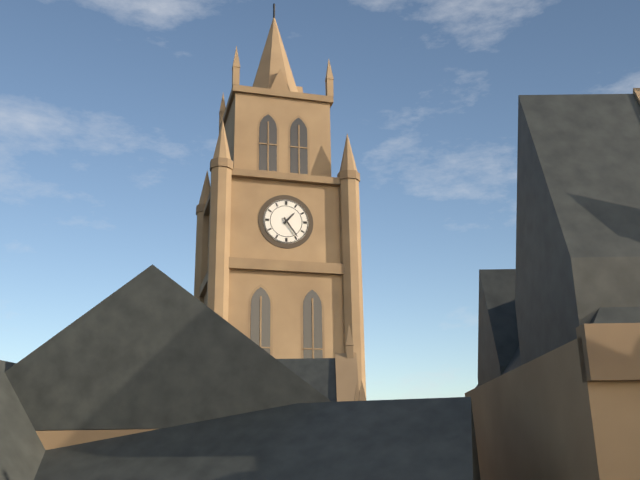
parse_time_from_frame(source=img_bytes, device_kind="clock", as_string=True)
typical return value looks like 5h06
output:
1h24
